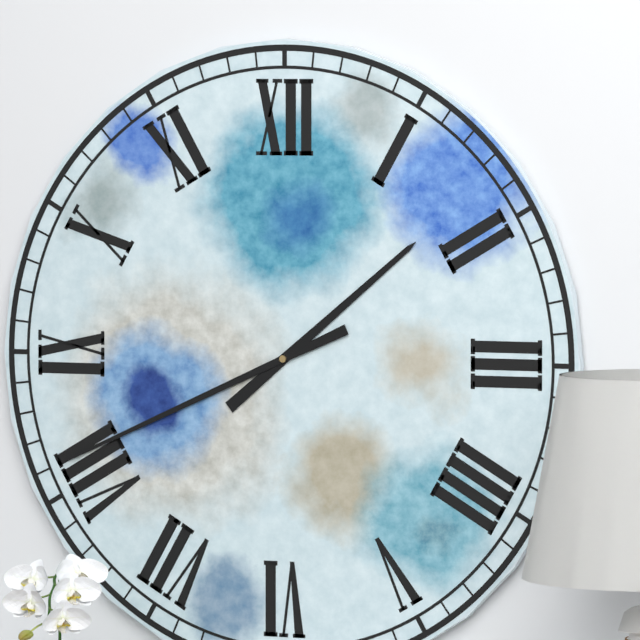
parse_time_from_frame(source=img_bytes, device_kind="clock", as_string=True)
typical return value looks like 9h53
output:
1h41
